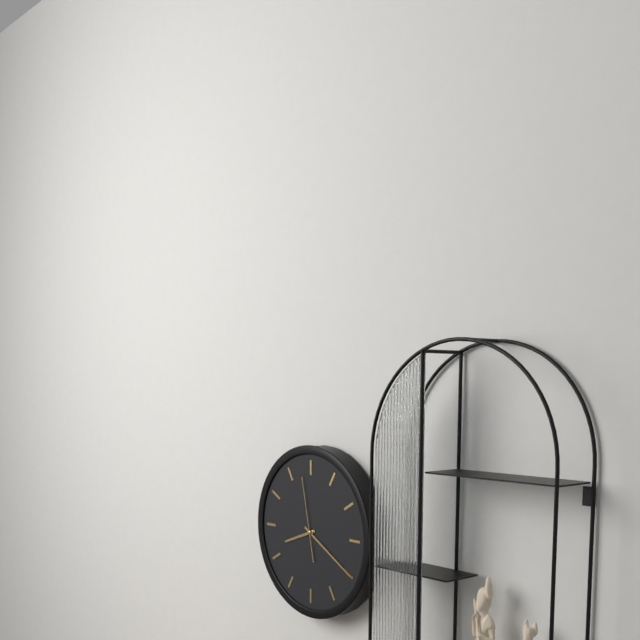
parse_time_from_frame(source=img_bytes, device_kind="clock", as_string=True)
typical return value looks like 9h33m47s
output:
8h20m58s
